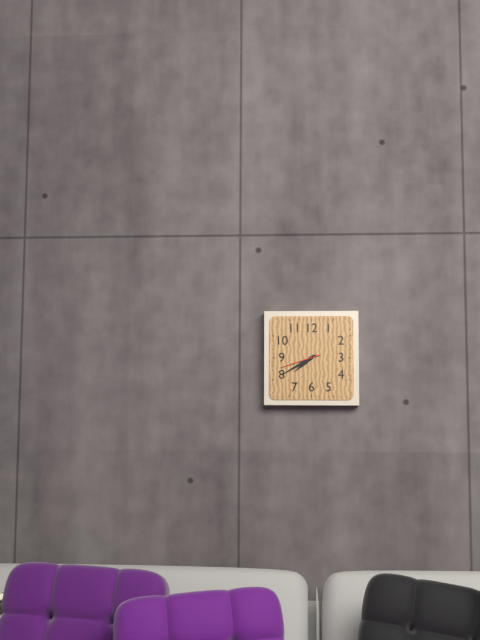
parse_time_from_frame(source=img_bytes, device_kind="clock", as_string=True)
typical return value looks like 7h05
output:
7h40
